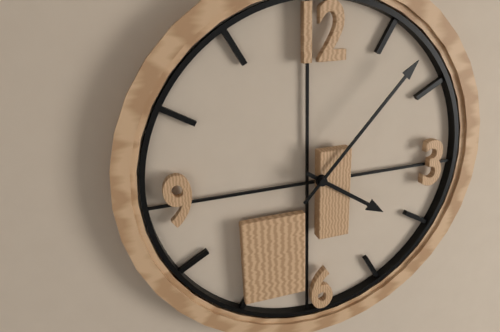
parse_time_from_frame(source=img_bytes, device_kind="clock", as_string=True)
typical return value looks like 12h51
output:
4h07
